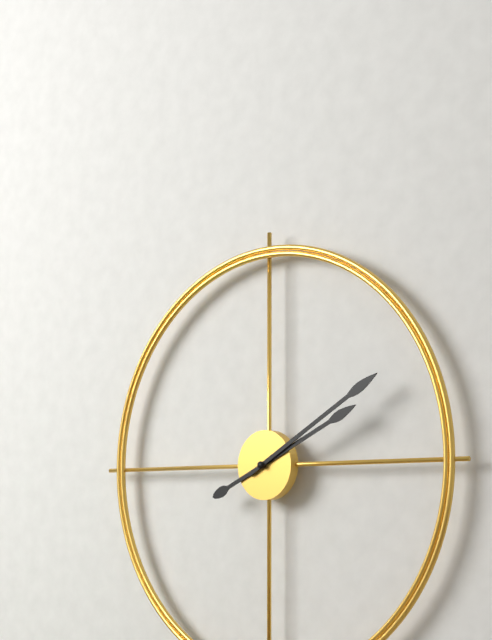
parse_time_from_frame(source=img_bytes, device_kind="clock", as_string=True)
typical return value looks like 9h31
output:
2h10
